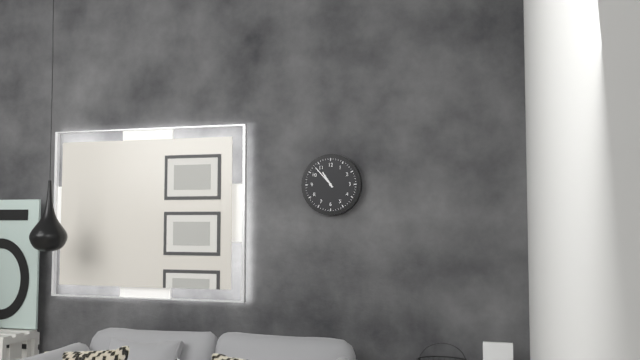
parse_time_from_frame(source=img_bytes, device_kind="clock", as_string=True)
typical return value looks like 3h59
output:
10h53
